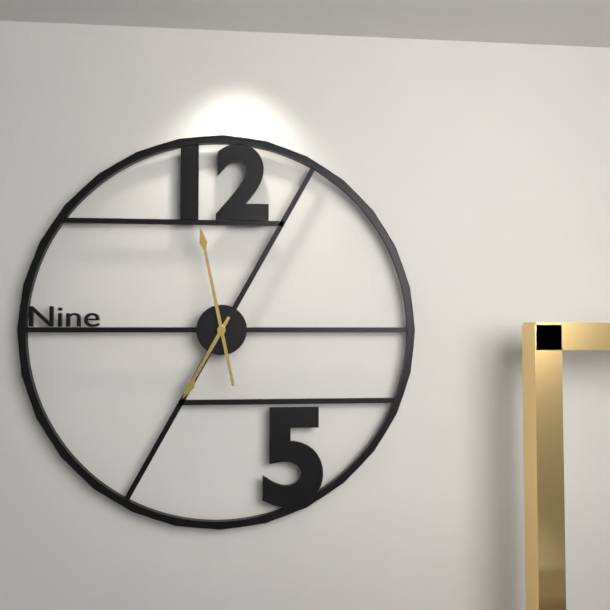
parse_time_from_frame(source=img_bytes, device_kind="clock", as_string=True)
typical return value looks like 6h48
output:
6h58
